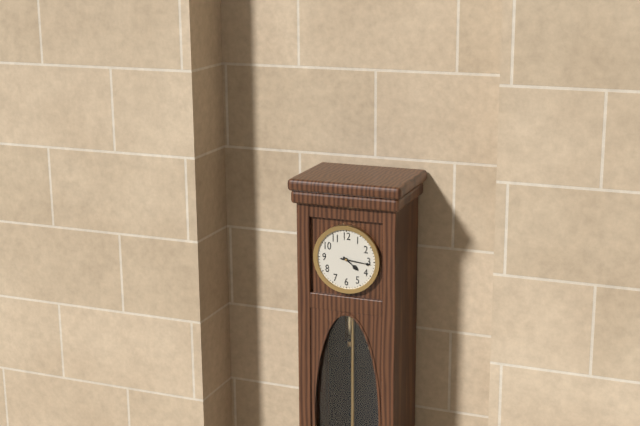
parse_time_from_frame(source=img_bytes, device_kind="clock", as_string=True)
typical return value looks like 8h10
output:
4h16
